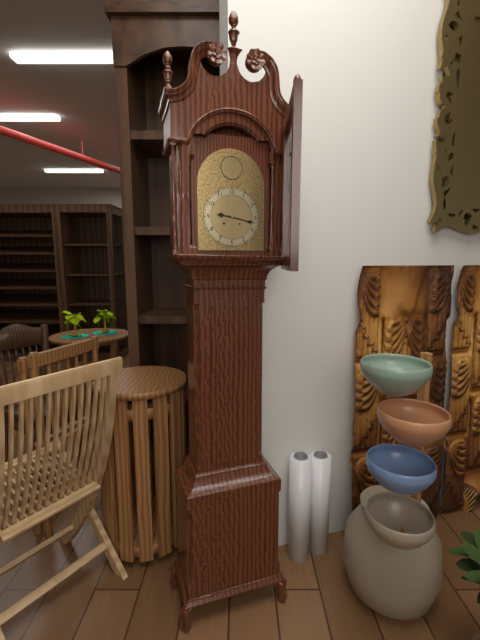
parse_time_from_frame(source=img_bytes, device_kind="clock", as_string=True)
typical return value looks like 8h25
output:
9h17
